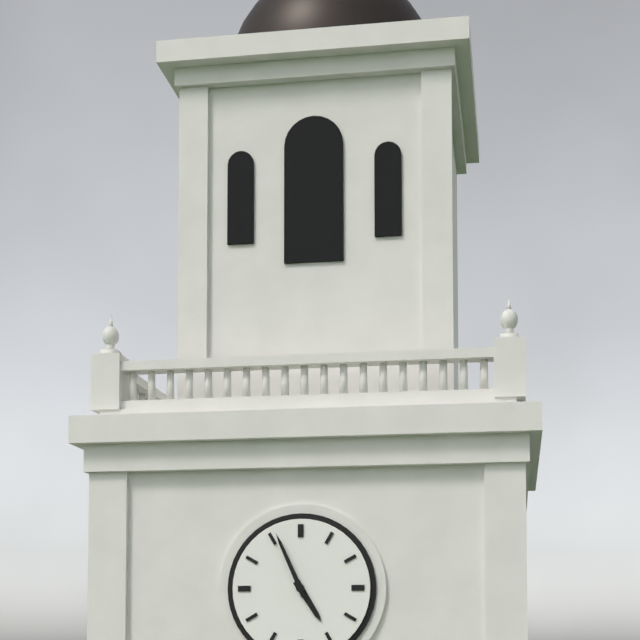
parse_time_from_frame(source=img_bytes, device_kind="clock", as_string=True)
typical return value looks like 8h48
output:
4h56
